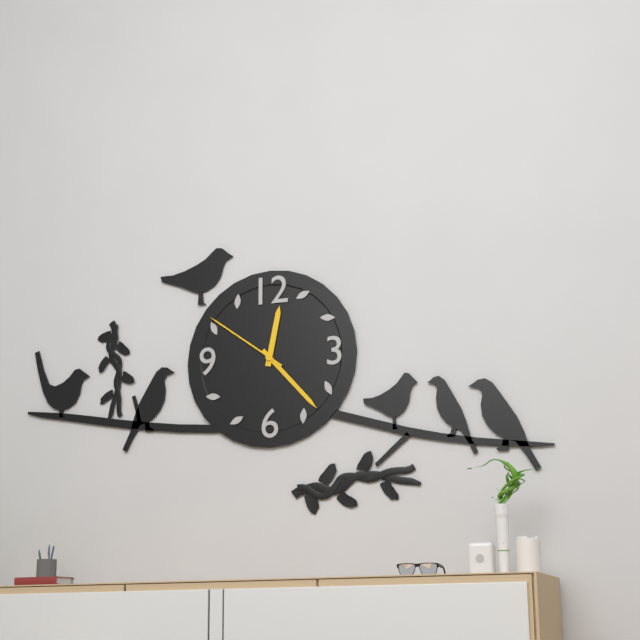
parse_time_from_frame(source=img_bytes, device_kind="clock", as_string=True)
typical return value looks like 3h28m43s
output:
12h23m51s
